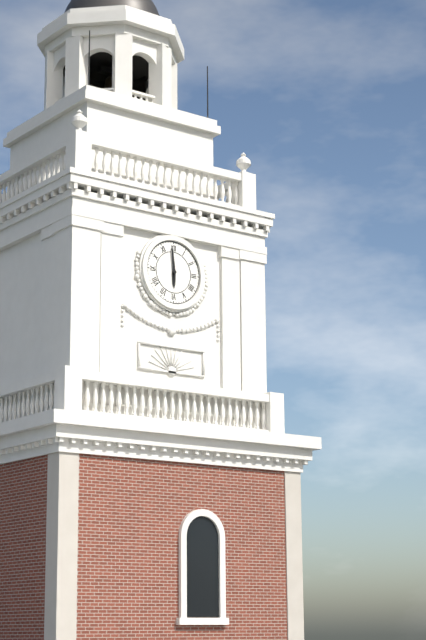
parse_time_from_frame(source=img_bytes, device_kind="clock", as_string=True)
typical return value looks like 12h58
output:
5h59
